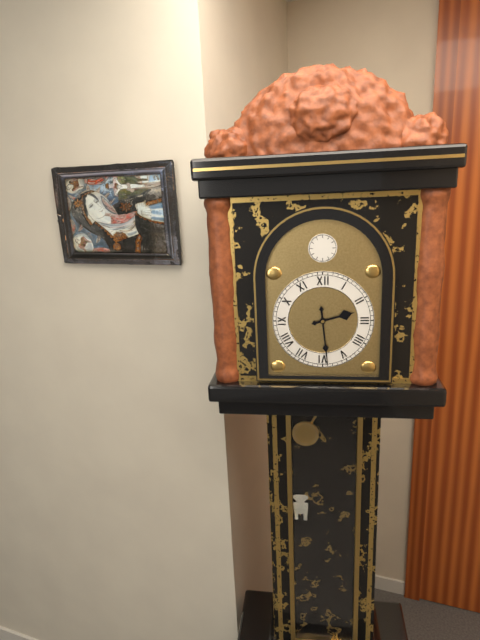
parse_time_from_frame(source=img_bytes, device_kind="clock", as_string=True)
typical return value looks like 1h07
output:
2h29
